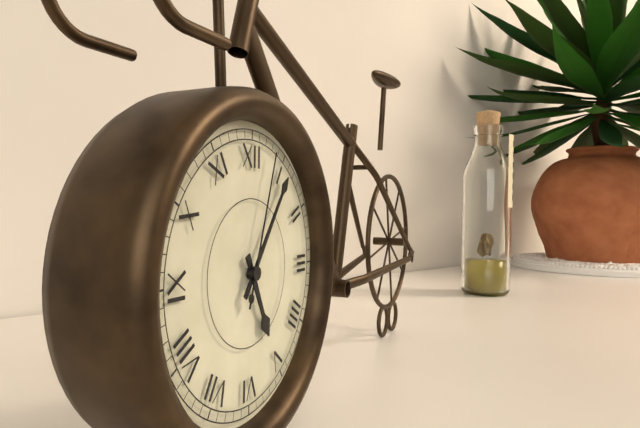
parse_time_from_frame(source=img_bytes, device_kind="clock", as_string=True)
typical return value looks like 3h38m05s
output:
5h06m03s
